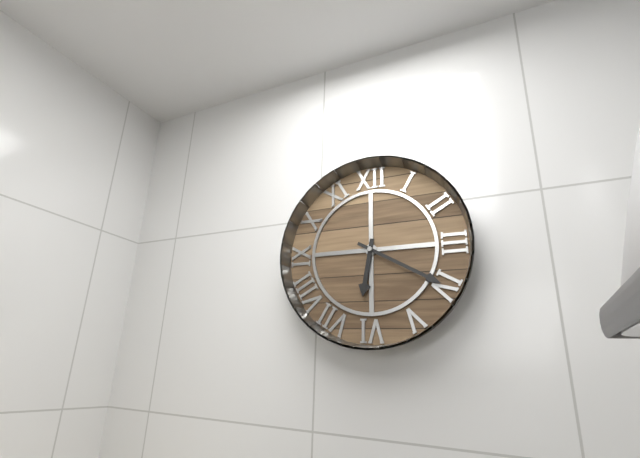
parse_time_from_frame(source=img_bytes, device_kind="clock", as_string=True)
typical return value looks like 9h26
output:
6h20
